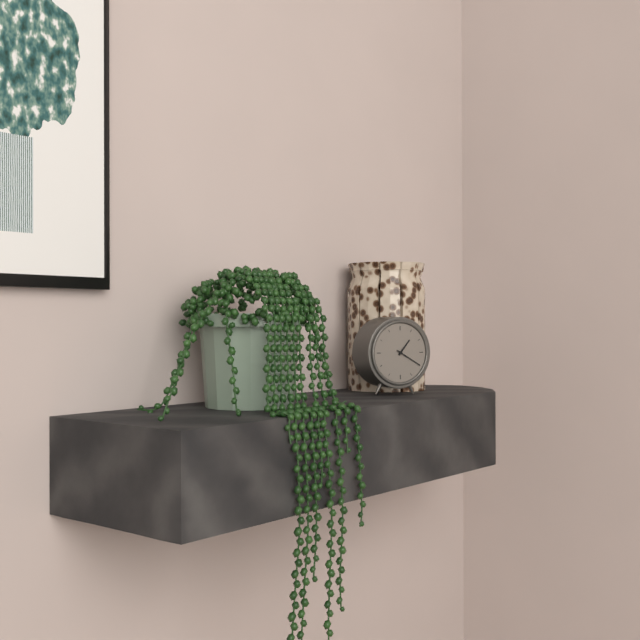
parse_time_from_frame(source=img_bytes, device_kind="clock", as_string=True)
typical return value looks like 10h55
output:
1h20
